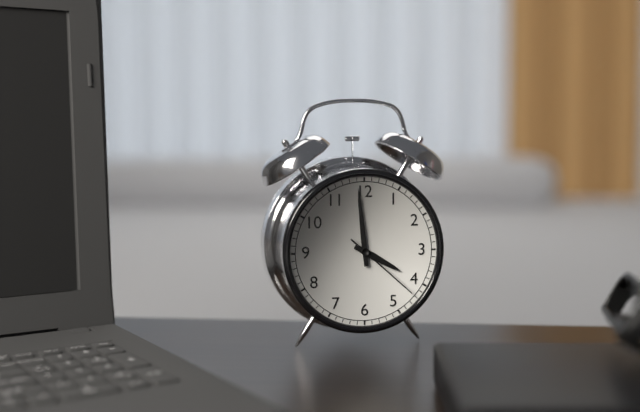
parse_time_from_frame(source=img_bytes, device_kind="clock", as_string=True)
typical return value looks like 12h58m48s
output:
3h59m22s
